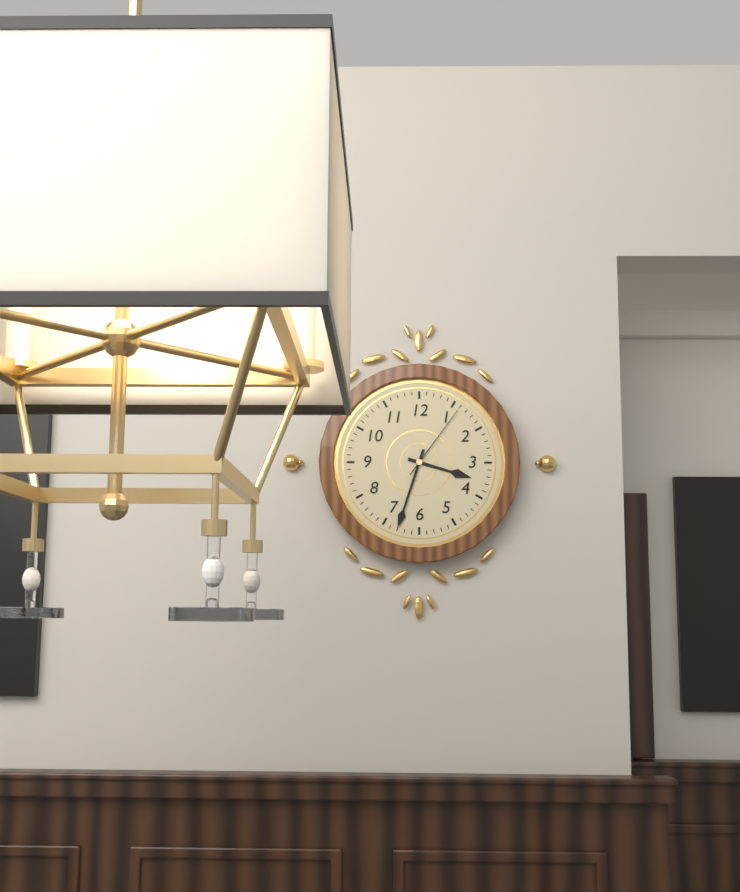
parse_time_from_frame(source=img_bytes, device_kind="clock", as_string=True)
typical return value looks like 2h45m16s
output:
3h33m06s
